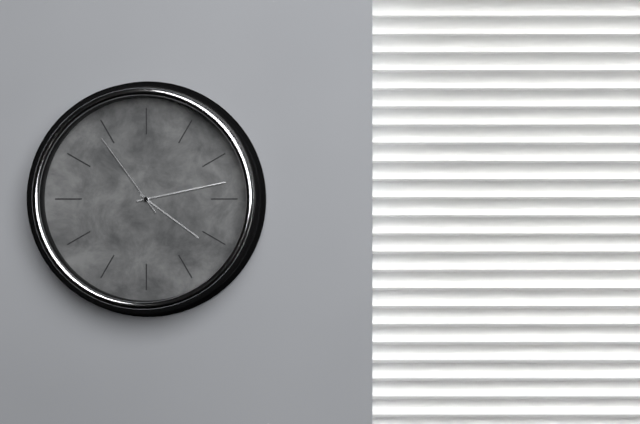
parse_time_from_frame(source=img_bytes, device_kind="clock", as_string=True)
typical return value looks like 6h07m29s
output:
4h13m54s
